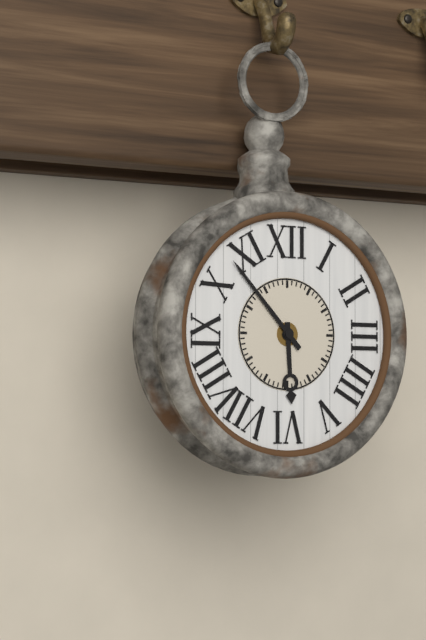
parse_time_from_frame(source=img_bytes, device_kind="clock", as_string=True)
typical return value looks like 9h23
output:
5h53
